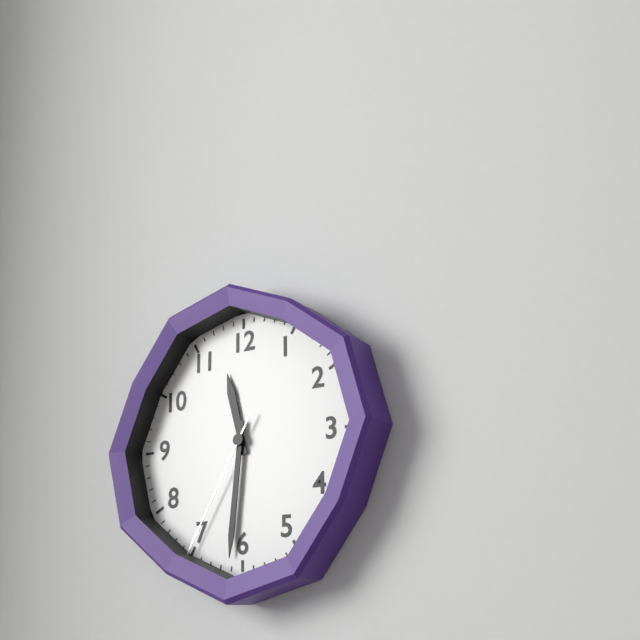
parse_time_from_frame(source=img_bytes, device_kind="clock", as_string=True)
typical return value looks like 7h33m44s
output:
11h31m35s
